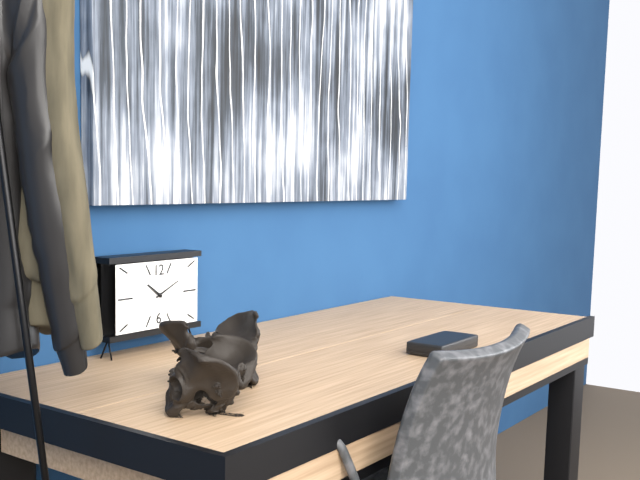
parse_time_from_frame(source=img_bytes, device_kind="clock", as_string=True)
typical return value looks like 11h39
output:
10h11
